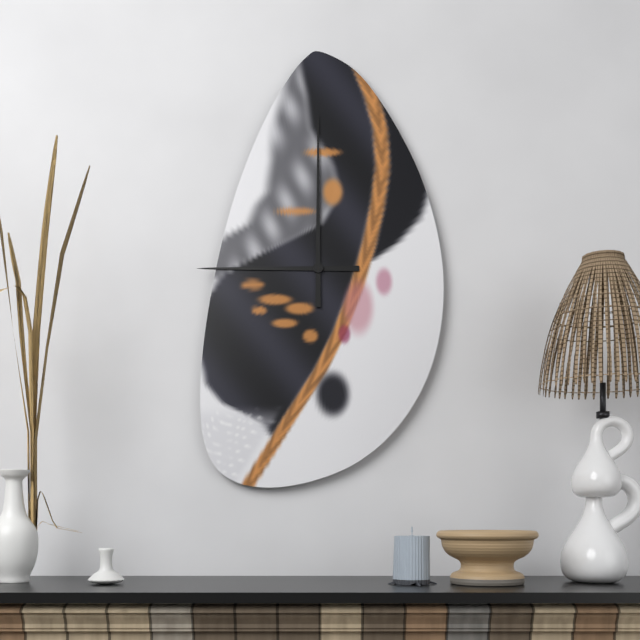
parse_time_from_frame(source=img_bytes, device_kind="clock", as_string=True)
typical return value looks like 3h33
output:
9h00
